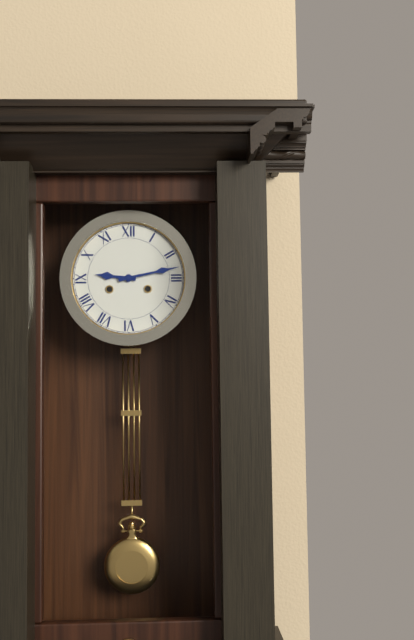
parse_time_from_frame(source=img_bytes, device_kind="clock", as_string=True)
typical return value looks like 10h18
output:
9h13
